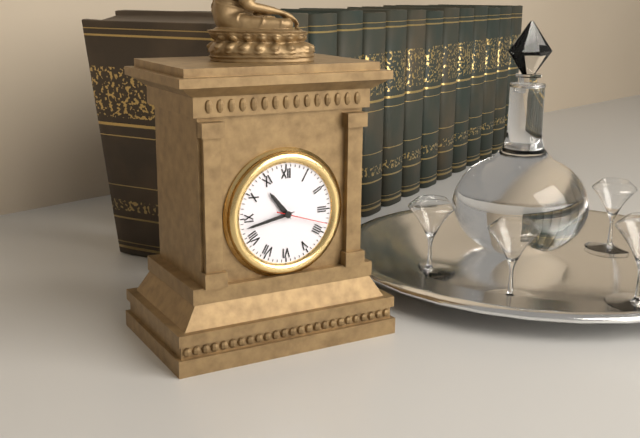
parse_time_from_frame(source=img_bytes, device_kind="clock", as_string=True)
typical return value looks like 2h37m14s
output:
10h43m18s
